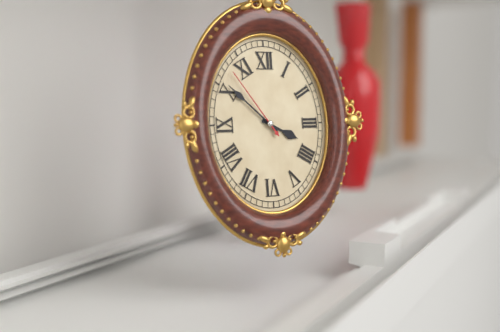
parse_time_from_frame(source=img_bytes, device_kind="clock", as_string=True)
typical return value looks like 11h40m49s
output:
3h52m54s
